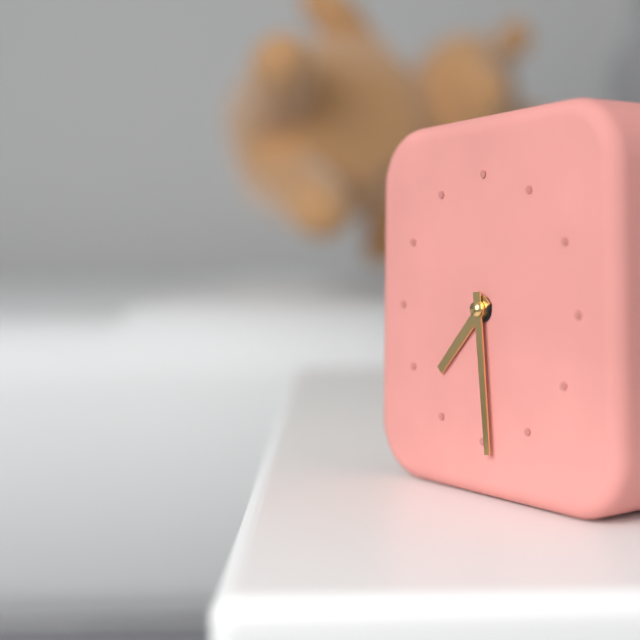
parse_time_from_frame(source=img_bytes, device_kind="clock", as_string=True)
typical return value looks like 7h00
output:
7h29
